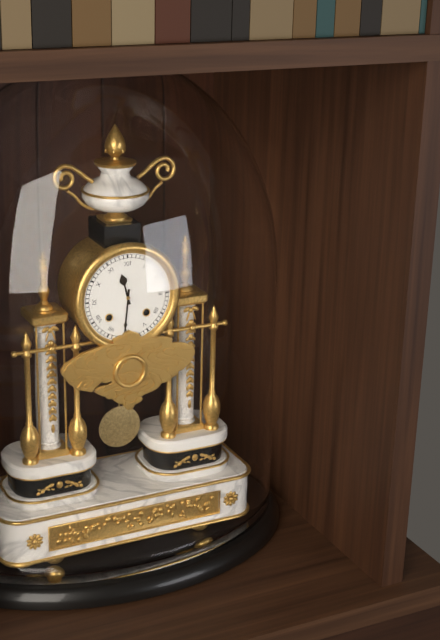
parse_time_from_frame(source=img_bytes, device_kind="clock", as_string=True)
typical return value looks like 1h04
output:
11h31
